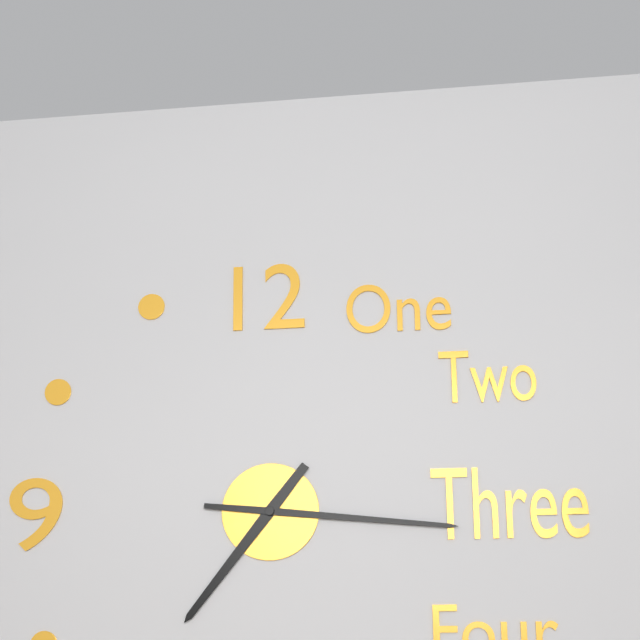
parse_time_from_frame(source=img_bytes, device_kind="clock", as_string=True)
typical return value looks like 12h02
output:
7h16
